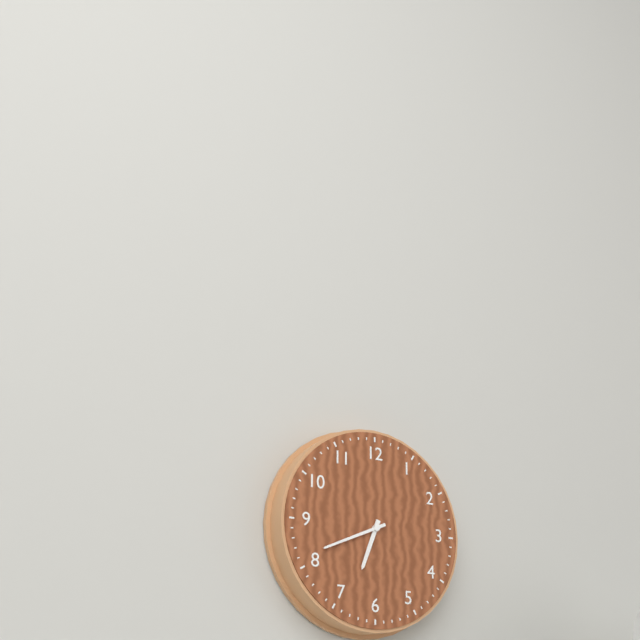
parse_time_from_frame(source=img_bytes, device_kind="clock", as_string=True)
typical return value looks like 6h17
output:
6h41
